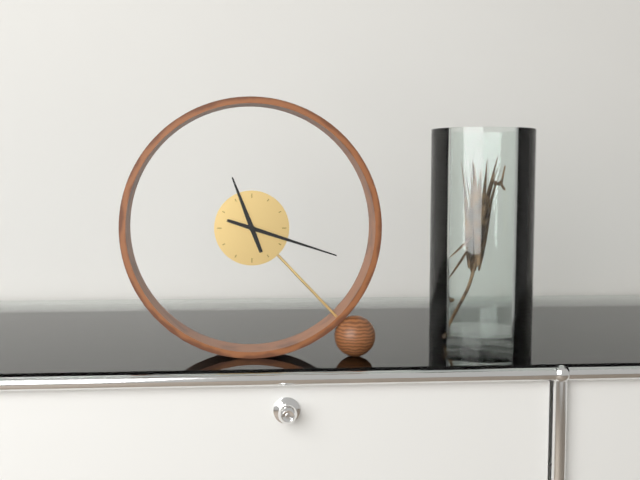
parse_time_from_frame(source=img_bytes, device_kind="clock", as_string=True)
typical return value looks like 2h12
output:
11h18
